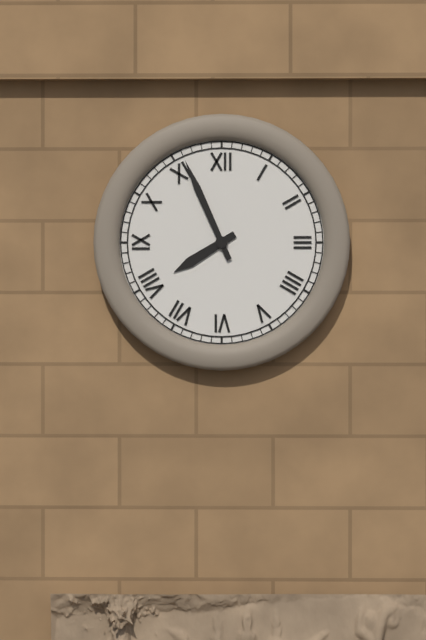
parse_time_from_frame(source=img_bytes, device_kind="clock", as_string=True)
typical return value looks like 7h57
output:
7h56
